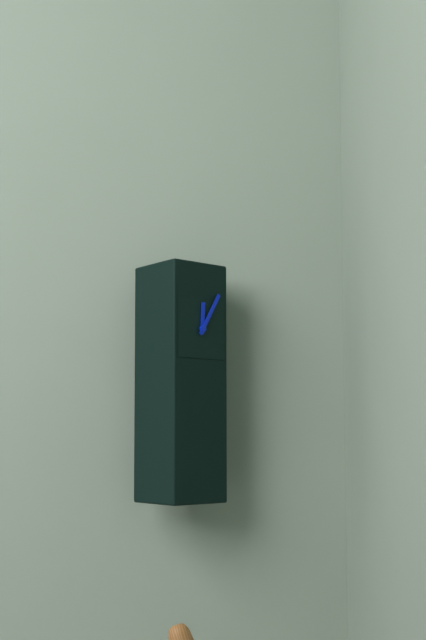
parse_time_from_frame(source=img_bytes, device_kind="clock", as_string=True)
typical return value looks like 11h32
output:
12h05
